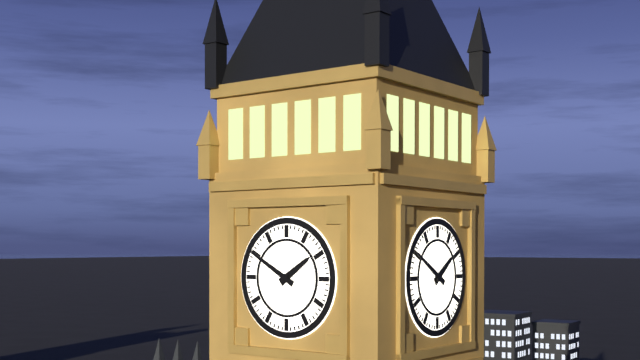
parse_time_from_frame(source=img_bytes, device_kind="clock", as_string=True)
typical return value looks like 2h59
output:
1h50
